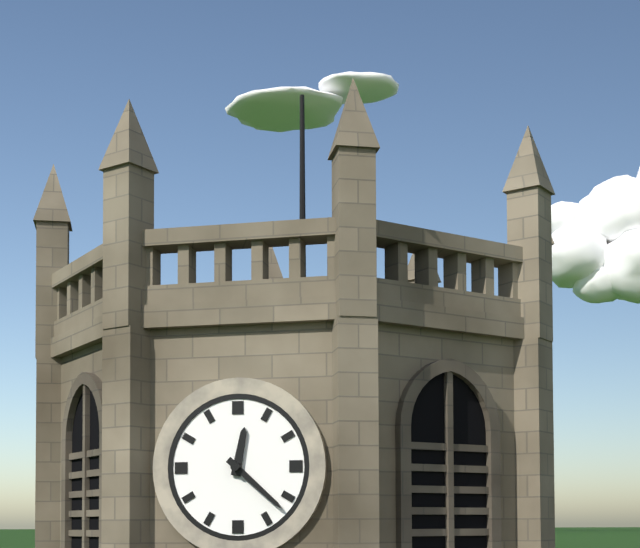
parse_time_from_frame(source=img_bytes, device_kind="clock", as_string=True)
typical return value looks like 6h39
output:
12h22
